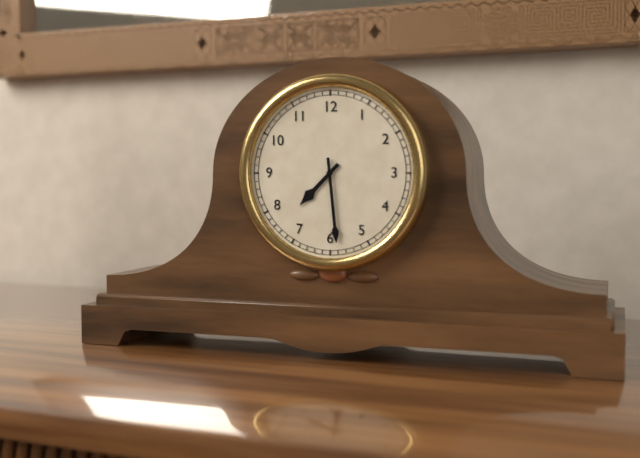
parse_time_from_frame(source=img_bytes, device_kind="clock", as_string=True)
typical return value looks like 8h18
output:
7h29
